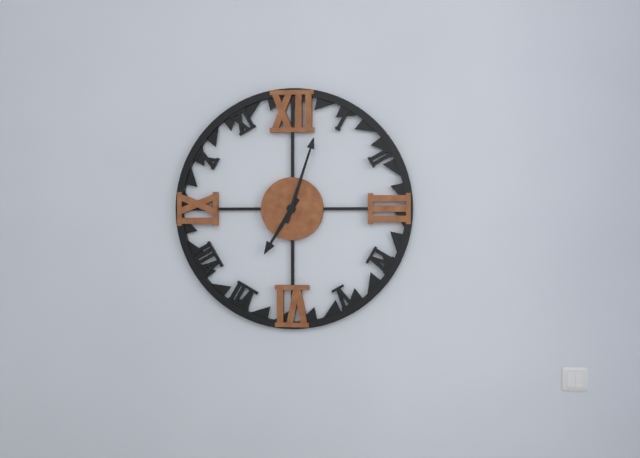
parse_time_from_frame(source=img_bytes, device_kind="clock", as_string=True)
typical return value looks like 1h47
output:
7h03
